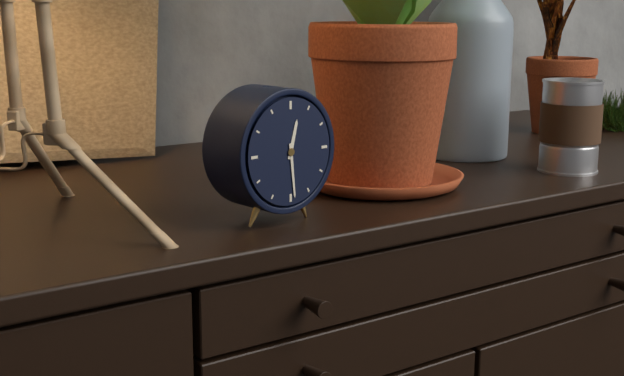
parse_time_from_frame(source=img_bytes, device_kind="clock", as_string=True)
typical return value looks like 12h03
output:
12h29
